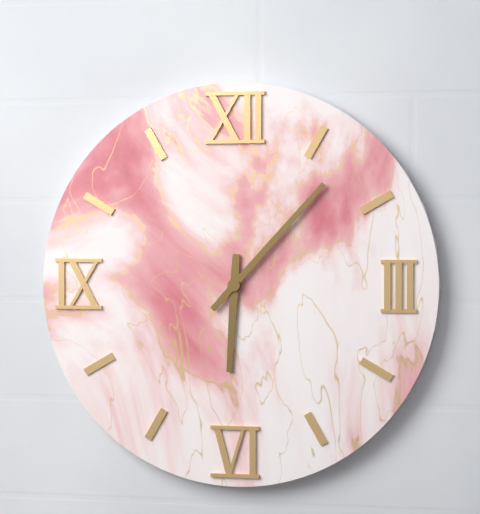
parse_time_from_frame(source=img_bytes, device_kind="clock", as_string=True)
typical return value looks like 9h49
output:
6h07
